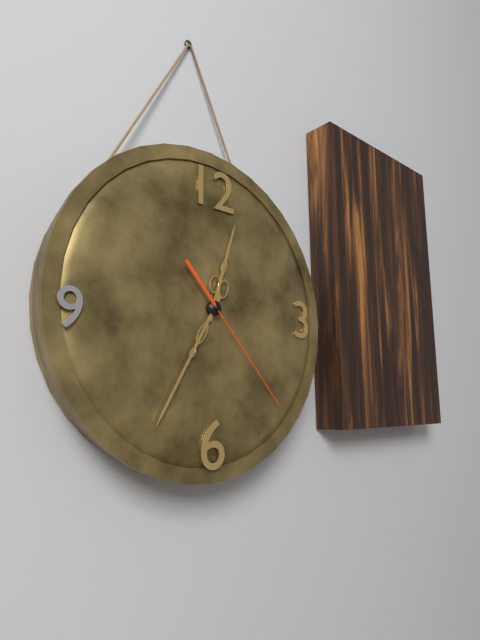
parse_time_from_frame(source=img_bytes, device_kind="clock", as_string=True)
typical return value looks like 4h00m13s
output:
12h35m23s
